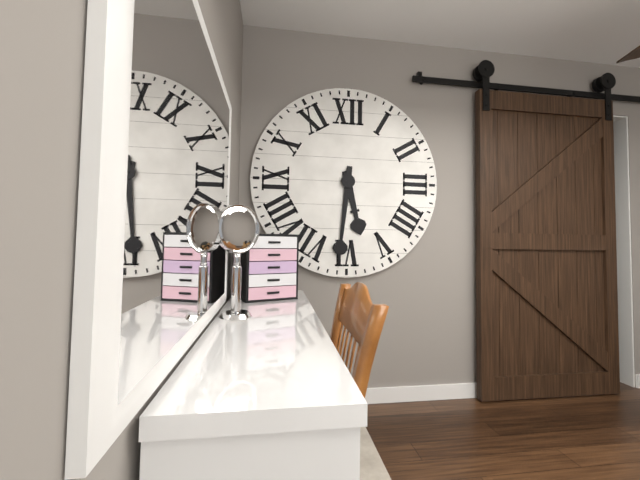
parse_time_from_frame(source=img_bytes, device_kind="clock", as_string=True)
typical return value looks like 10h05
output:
5h31
